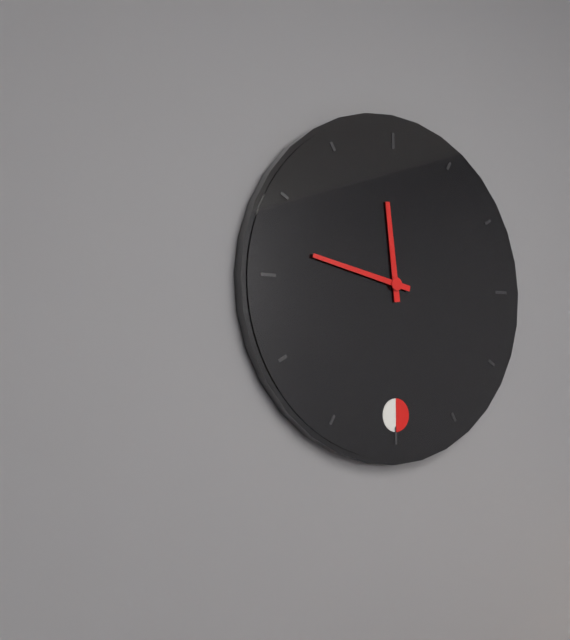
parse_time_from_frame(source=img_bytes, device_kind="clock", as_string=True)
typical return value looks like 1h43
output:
11h47
